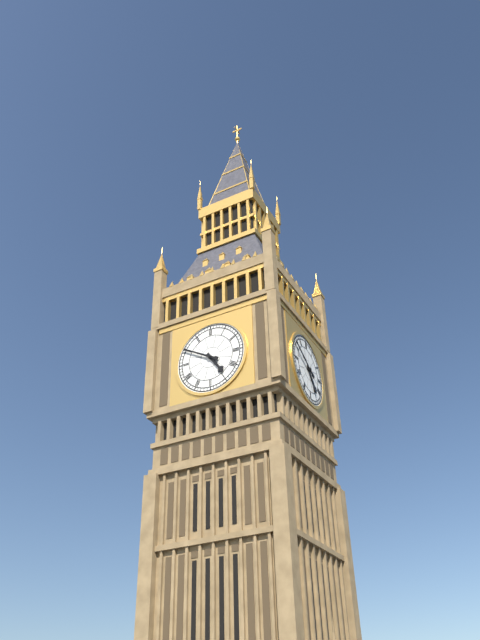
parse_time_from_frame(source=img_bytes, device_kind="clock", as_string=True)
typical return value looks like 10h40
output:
4h50
